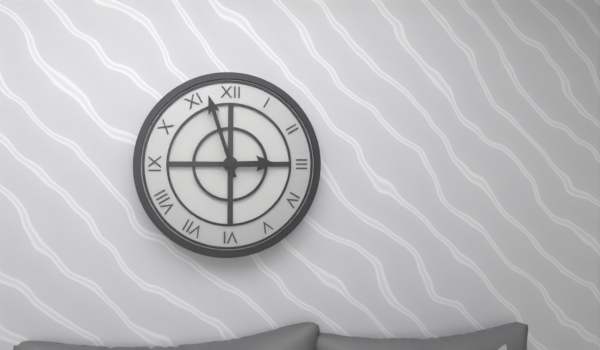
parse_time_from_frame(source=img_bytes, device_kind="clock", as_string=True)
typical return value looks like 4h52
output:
2h57
